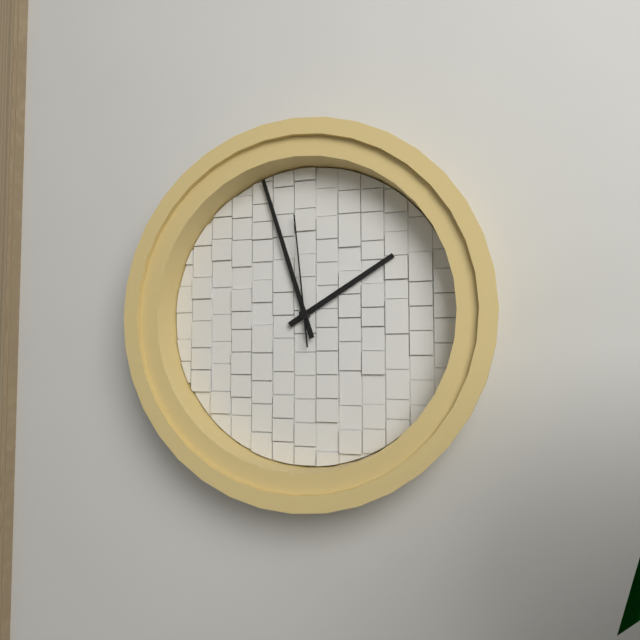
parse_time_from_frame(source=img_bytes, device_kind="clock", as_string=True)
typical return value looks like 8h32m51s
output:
1h57m59s
